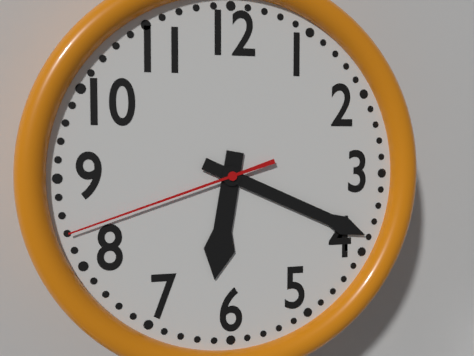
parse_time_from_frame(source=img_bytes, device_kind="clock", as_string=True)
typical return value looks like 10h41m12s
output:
6h19m42s
